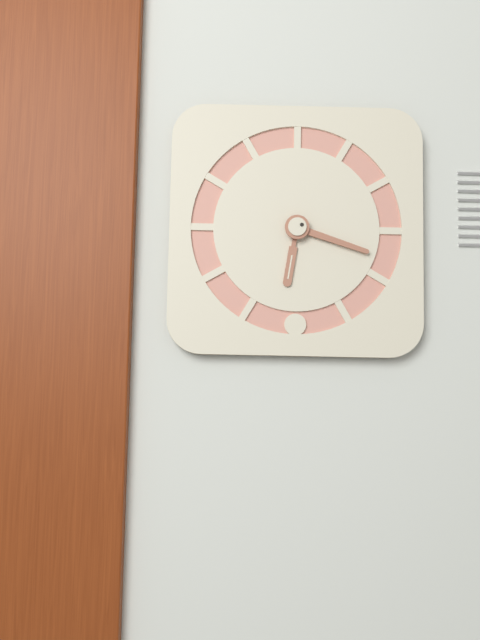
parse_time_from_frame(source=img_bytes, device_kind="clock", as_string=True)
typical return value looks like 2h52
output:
6h18
